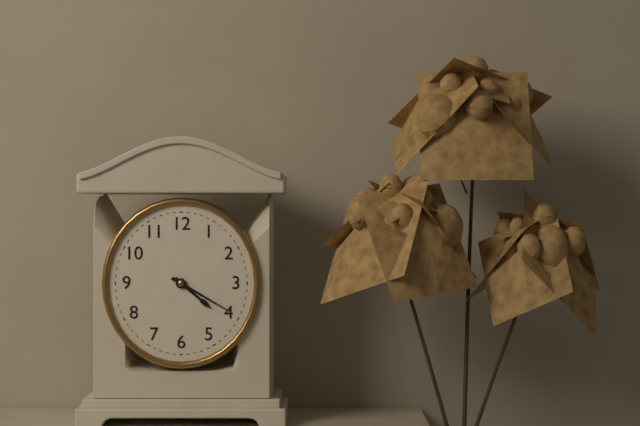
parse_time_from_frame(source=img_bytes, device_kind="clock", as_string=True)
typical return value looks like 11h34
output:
4h20
